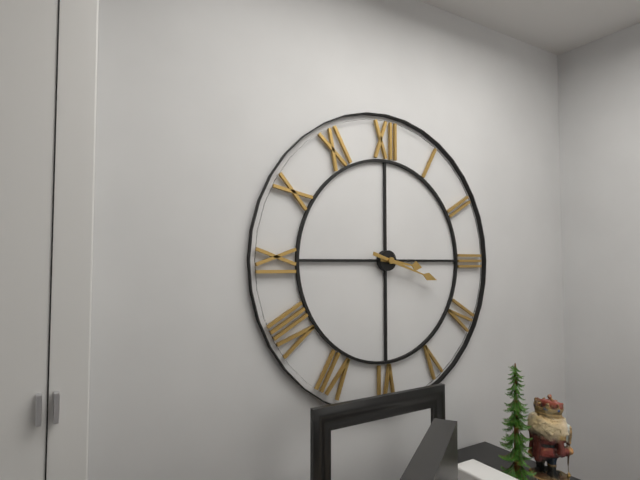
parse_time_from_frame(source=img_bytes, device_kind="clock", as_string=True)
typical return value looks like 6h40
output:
3h18
